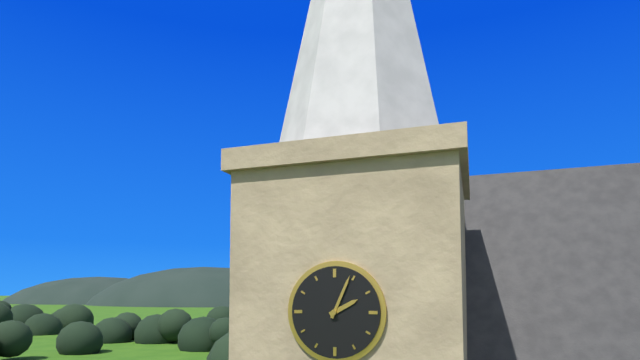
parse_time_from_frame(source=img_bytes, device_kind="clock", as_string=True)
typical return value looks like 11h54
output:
2h04
